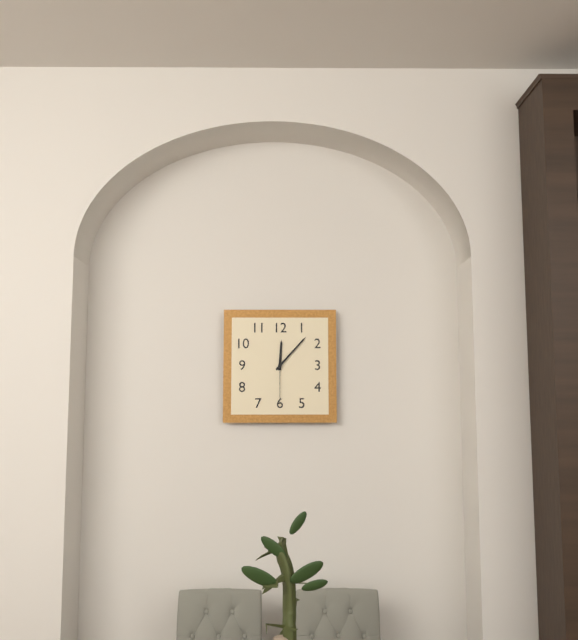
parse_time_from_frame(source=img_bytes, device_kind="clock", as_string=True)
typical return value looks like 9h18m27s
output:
12h07m30s
